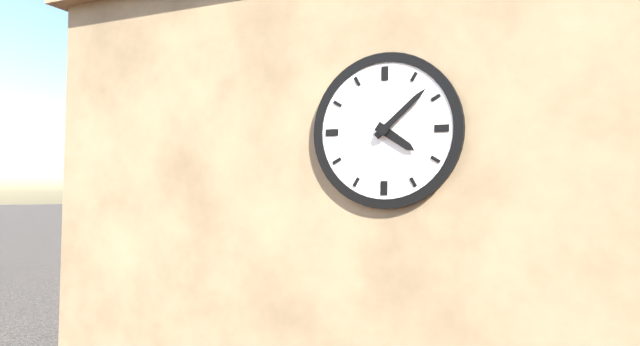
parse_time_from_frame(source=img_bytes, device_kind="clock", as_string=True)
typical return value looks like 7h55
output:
4h08
